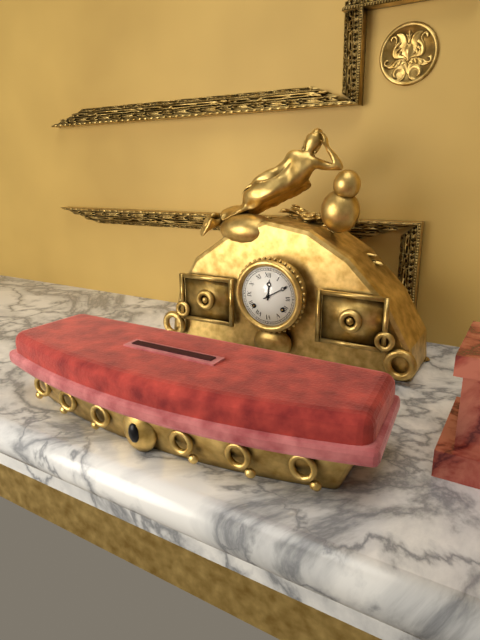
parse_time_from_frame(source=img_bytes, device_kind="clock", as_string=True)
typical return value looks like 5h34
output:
12h10
